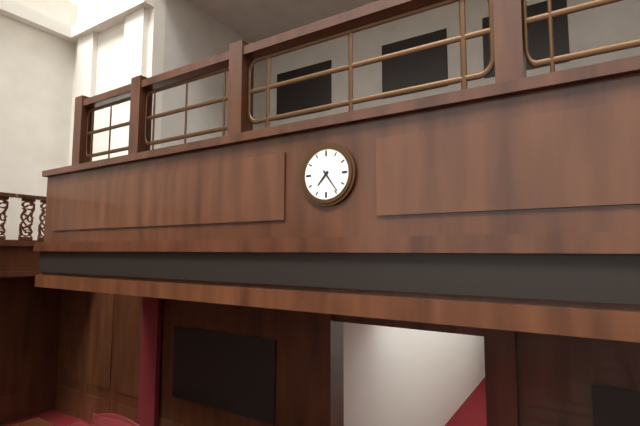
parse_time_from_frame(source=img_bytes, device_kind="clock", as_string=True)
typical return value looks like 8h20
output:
7h24
